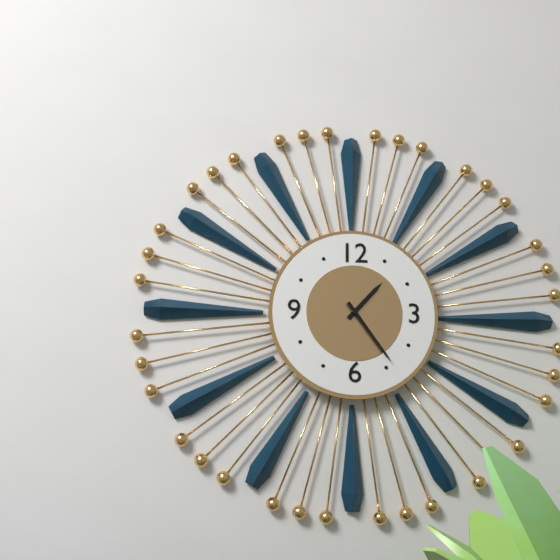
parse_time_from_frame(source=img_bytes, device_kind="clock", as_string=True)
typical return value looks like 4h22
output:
1h24
